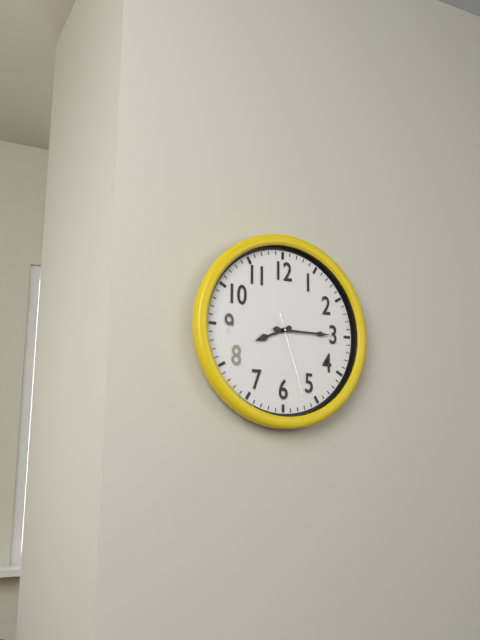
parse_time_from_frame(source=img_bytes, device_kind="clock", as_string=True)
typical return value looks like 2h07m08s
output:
8h15m27s
